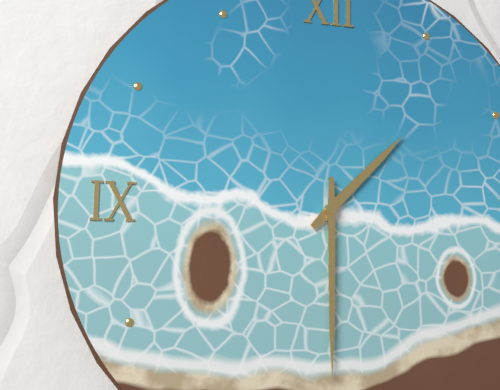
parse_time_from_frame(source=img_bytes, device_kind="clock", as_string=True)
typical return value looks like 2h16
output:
1h30
